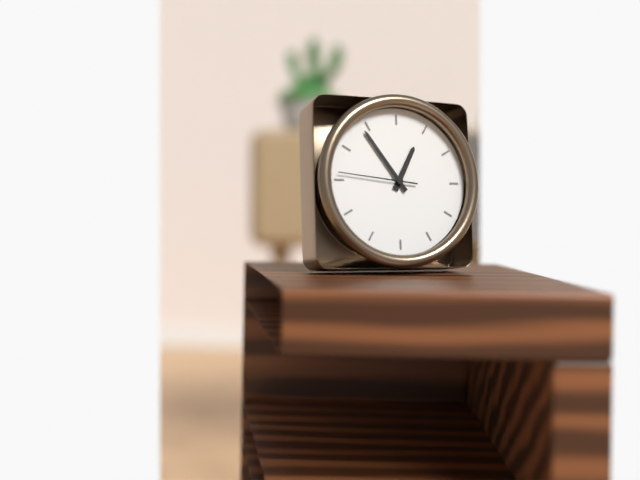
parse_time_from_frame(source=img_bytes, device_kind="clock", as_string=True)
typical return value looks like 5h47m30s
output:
12h54m46s
